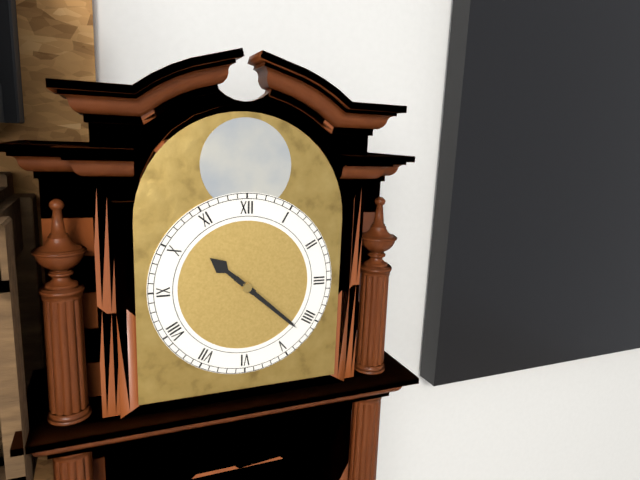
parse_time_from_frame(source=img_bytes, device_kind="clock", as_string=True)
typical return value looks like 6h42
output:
10h22
